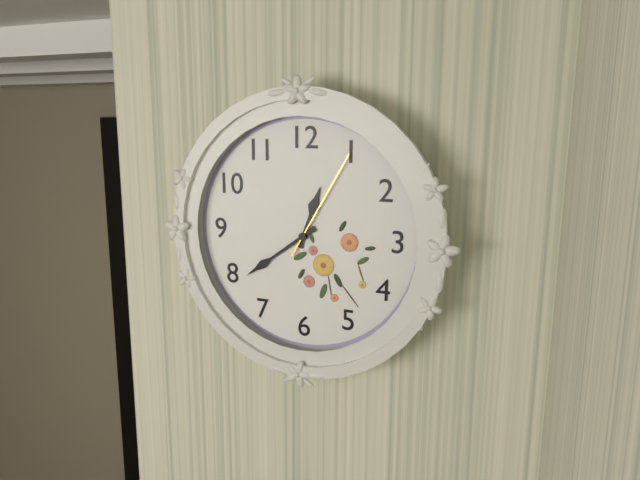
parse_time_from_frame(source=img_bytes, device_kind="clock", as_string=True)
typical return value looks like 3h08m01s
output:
12h39m05s
